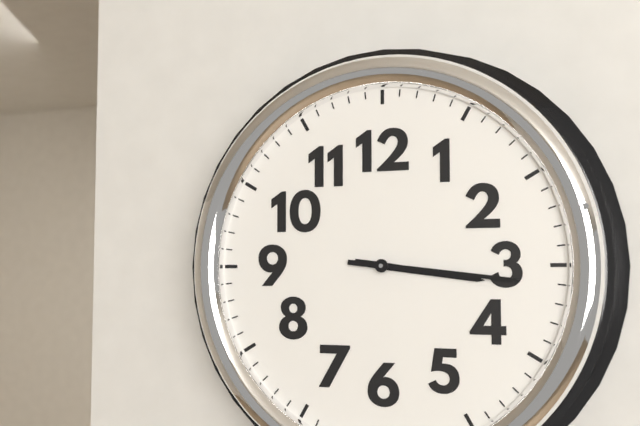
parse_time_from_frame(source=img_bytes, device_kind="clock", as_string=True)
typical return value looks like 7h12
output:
3h16
